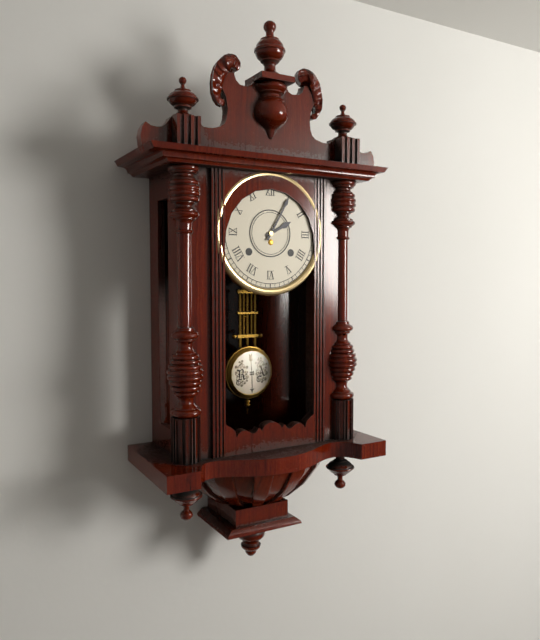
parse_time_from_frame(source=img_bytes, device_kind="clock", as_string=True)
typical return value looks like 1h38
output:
2h05
